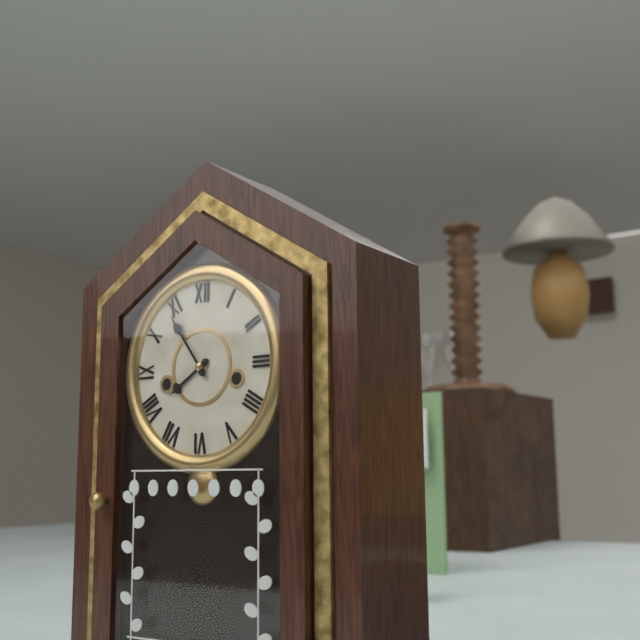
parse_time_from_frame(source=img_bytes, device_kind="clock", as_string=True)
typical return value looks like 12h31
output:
7h54
